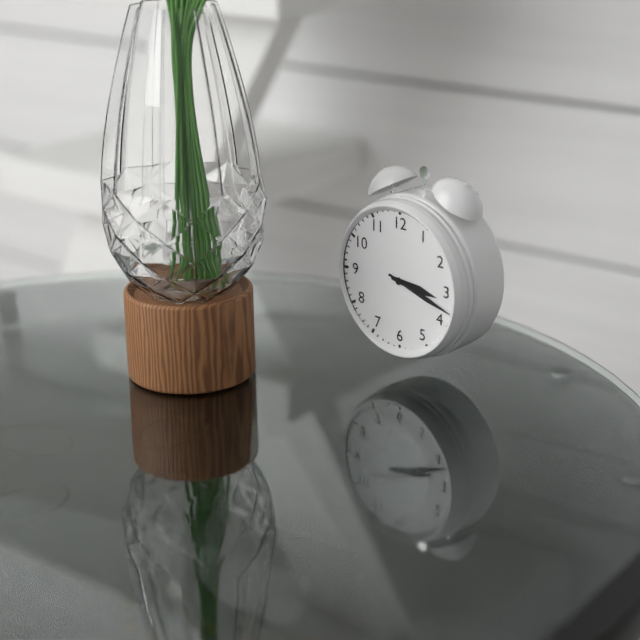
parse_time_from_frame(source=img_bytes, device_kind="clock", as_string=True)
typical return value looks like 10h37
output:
3h18
